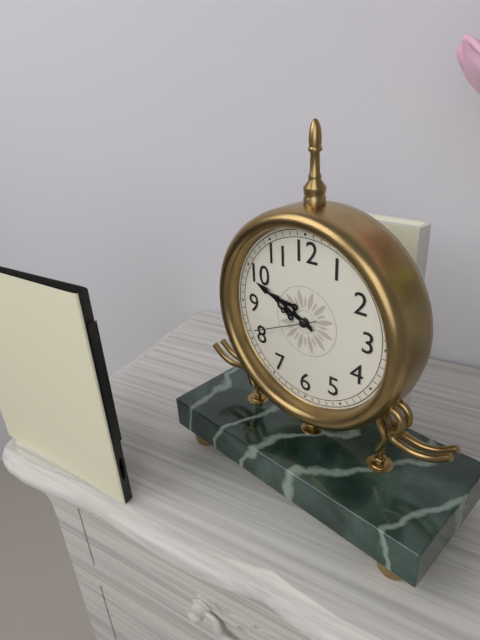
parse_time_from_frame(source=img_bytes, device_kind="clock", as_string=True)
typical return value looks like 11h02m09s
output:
9h49m41s
